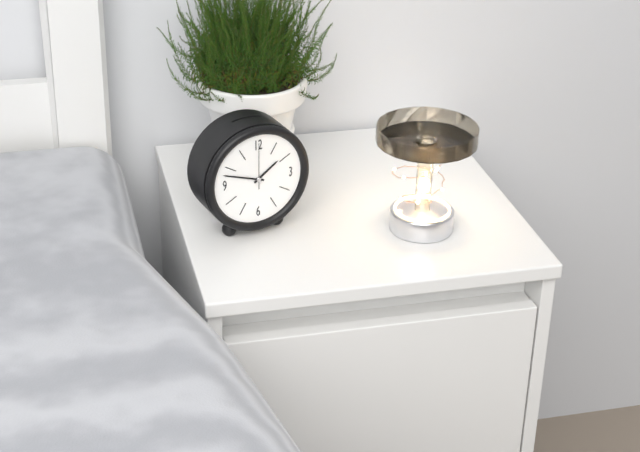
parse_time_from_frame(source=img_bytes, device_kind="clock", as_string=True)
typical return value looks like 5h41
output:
1h48
